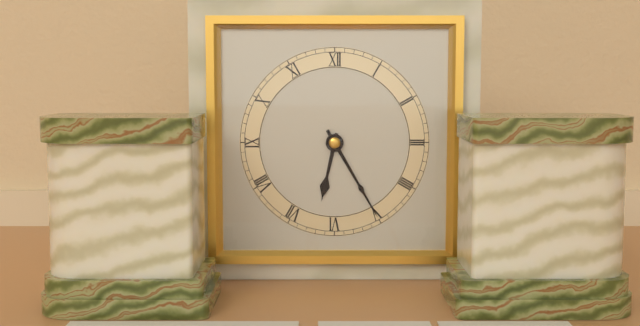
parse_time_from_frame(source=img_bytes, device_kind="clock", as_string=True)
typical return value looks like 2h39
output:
6h25
